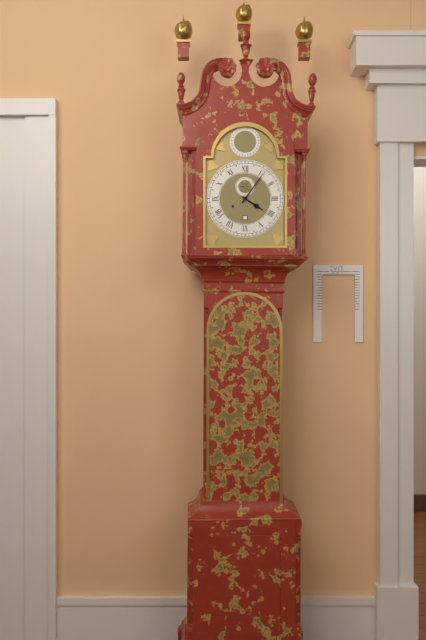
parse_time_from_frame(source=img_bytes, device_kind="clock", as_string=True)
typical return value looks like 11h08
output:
4h06
